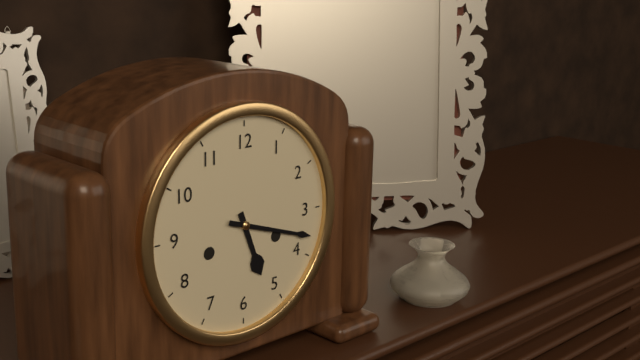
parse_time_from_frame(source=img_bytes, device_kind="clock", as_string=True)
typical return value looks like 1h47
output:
5h18
